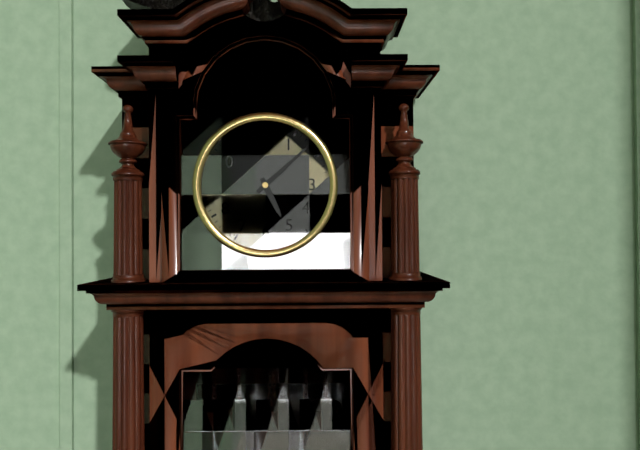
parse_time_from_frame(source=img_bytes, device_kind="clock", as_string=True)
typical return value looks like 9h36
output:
5h08
